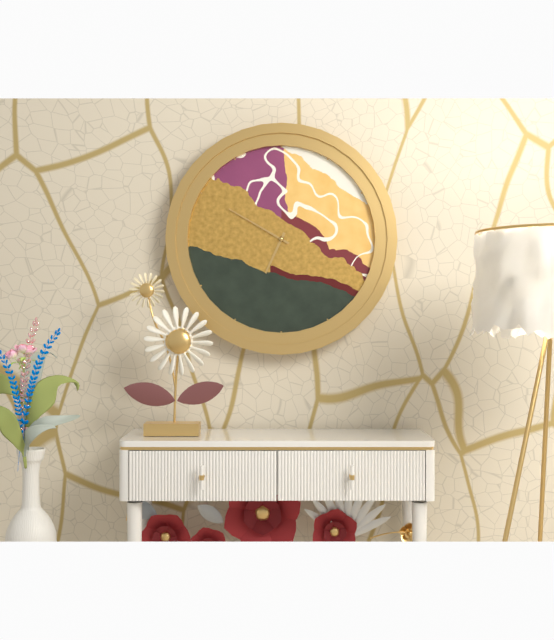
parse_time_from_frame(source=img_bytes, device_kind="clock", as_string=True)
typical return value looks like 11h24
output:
6h50
